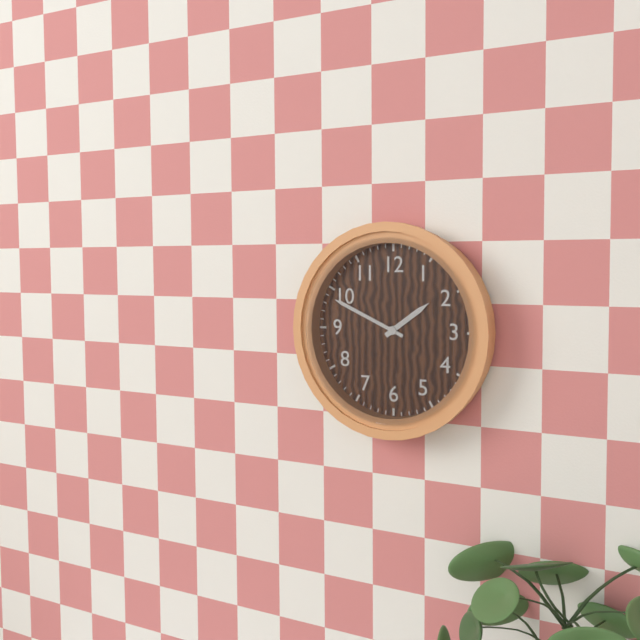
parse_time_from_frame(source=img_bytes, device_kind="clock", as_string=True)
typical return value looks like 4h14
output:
1h49
